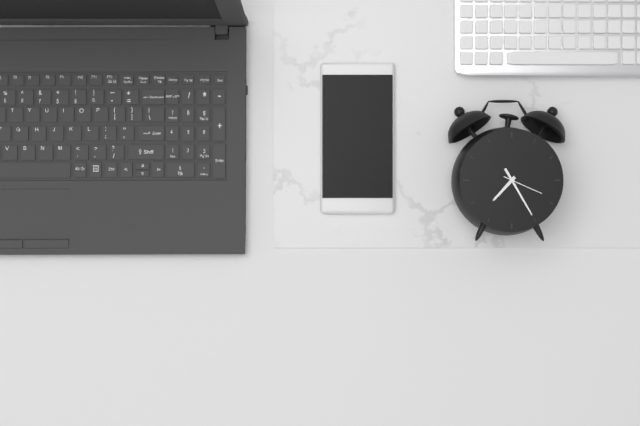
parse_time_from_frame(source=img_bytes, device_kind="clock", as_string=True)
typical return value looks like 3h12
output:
7h25
